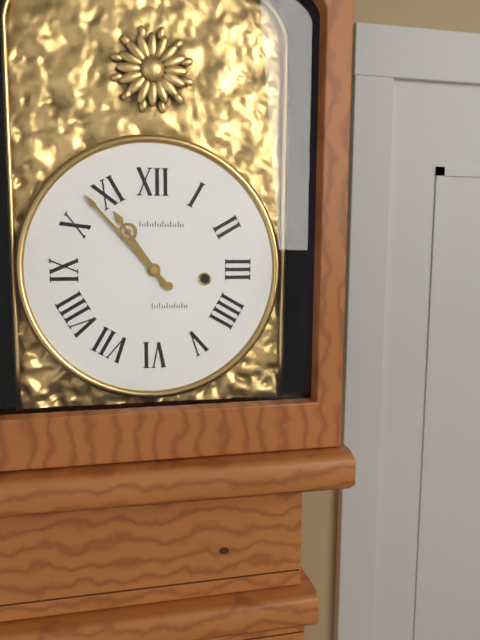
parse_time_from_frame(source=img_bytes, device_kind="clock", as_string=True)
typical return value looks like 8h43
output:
10h53
